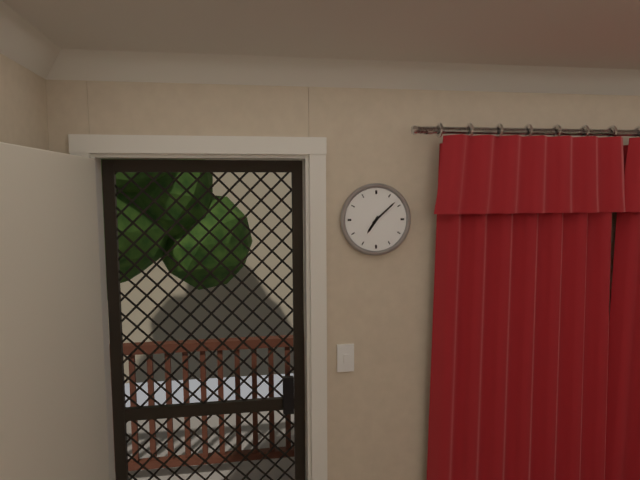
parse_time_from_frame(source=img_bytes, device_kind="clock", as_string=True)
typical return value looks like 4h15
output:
7h08
